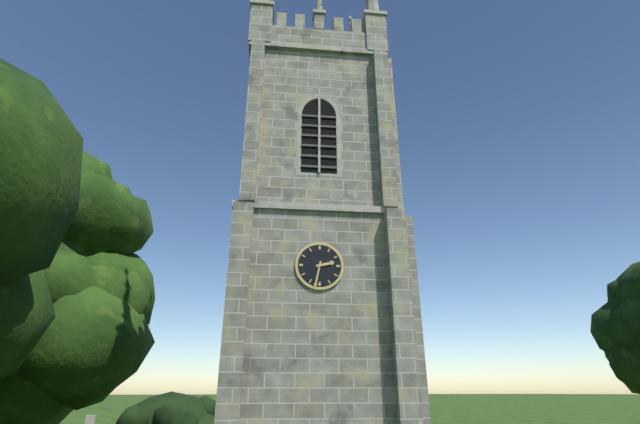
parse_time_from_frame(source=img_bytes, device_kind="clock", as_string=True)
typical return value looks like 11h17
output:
2h32
